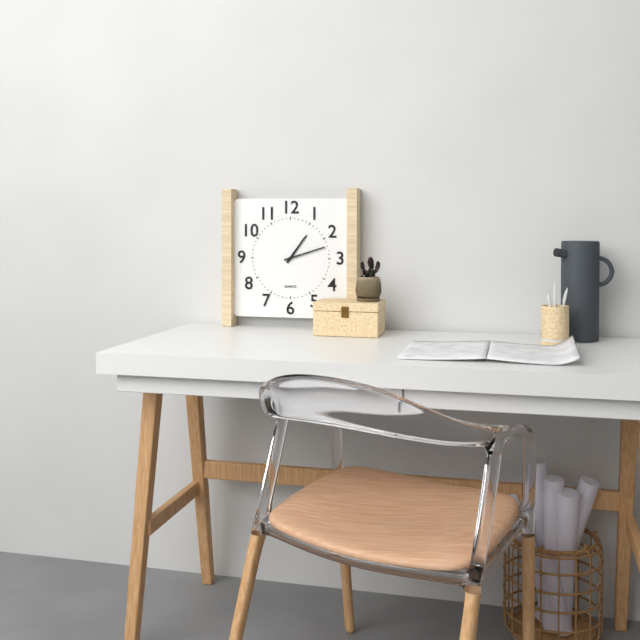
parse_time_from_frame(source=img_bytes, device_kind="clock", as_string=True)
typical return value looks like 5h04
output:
1h12
